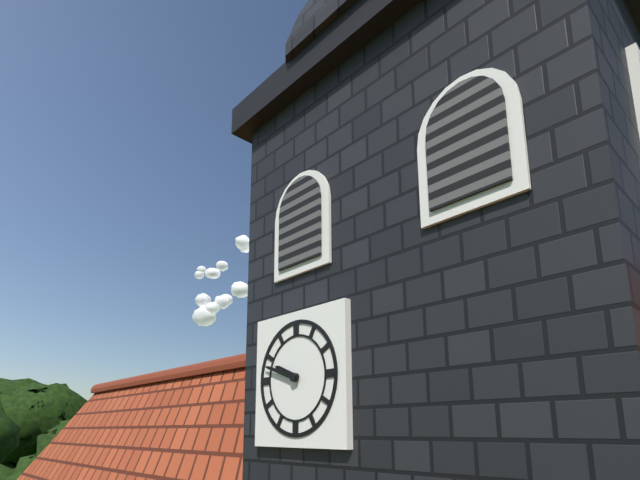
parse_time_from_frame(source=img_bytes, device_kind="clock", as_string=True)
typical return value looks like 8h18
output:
9h48
